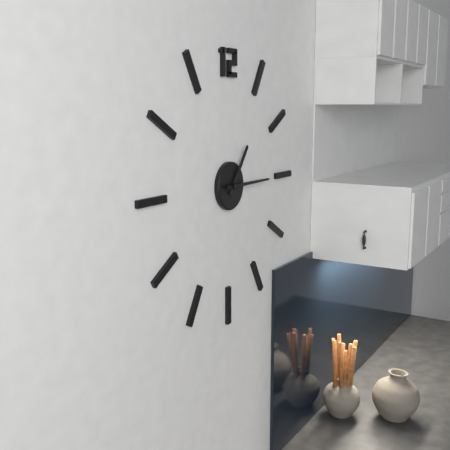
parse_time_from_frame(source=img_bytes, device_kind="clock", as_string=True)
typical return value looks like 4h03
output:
1h15
